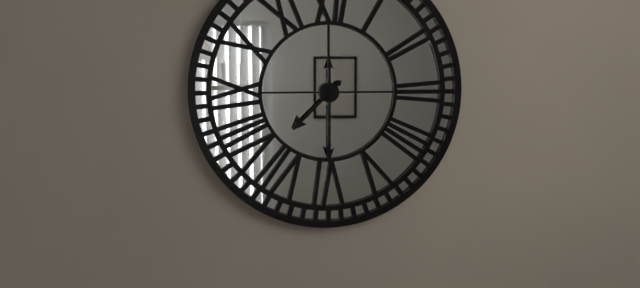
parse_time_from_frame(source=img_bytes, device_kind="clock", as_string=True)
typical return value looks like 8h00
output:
7h30
